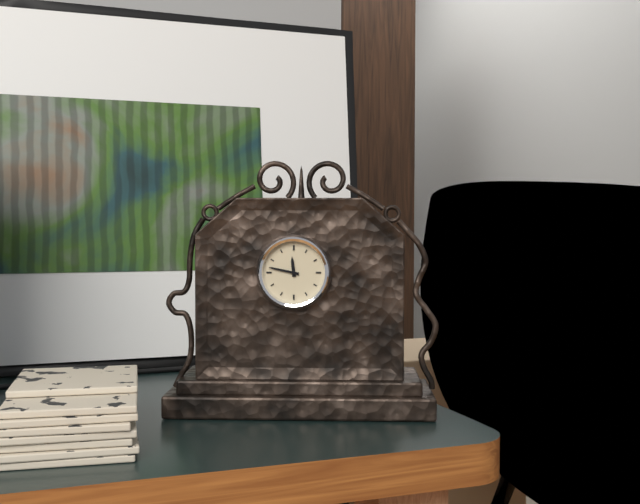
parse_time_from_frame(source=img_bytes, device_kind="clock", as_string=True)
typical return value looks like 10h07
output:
11h47
